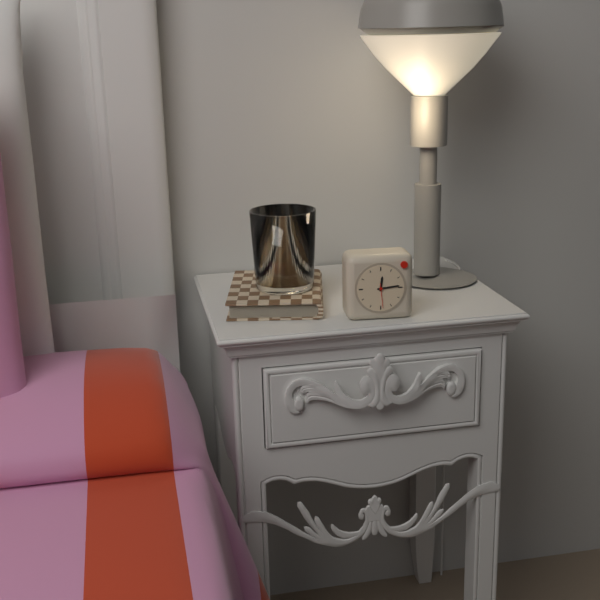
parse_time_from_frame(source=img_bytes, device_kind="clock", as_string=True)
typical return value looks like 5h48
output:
12h14
